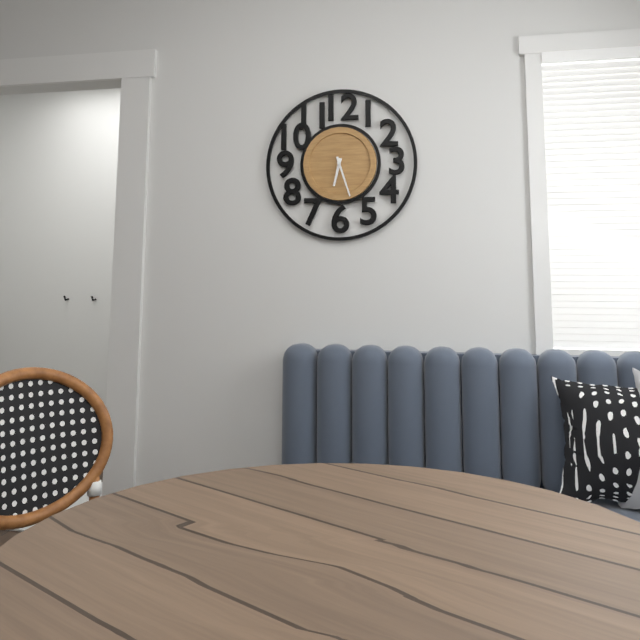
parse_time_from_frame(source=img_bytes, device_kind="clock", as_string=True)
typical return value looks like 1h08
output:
6h27
